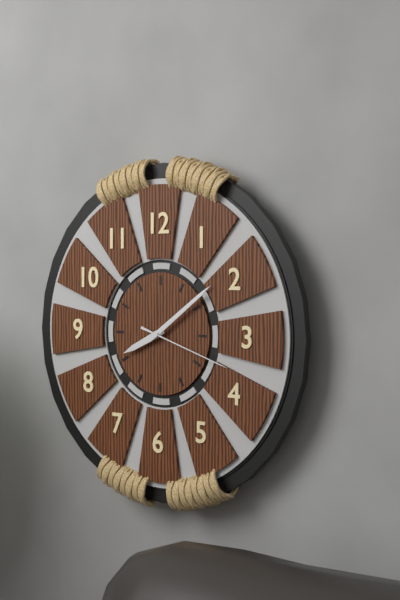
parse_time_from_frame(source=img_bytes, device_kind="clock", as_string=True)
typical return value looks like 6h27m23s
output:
8h09m18s
